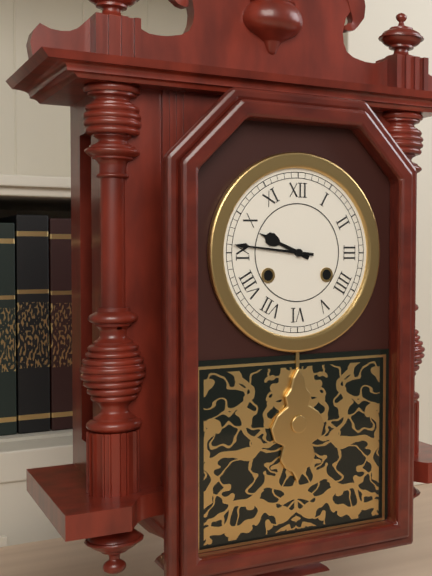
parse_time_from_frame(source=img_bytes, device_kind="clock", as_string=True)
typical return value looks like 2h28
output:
9h46
